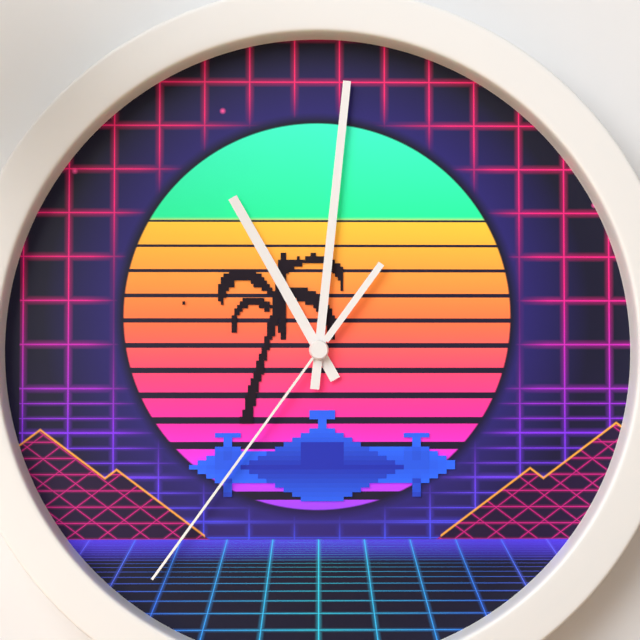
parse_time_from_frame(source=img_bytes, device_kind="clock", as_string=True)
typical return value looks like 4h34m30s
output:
11h01m36s
